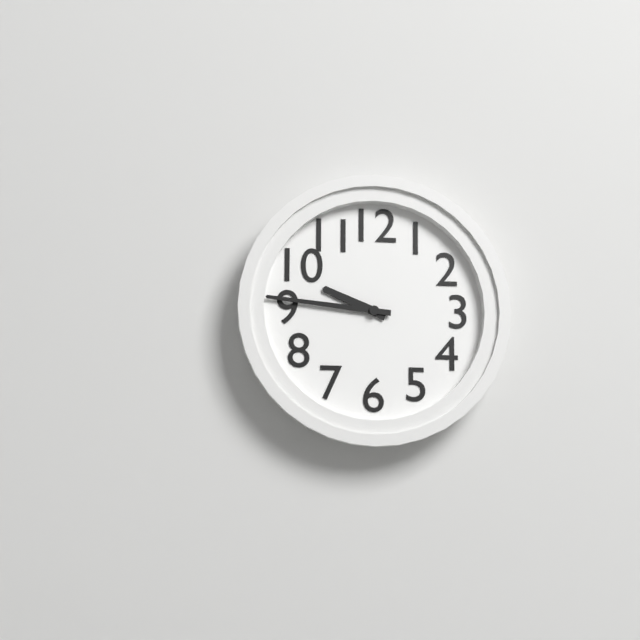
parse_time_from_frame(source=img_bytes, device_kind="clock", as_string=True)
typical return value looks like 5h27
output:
9h46
